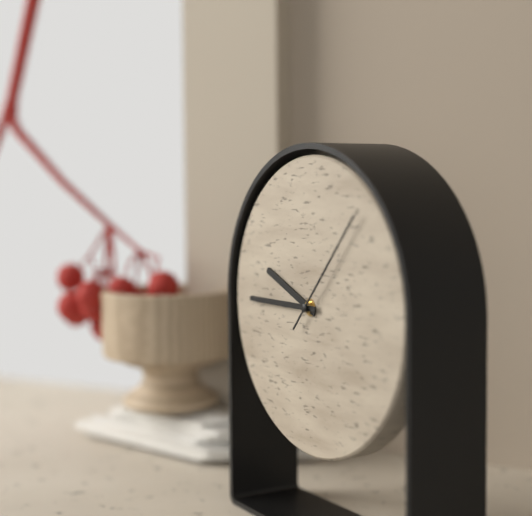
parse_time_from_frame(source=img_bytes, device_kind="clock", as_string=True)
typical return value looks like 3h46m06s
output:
9h45m07s
